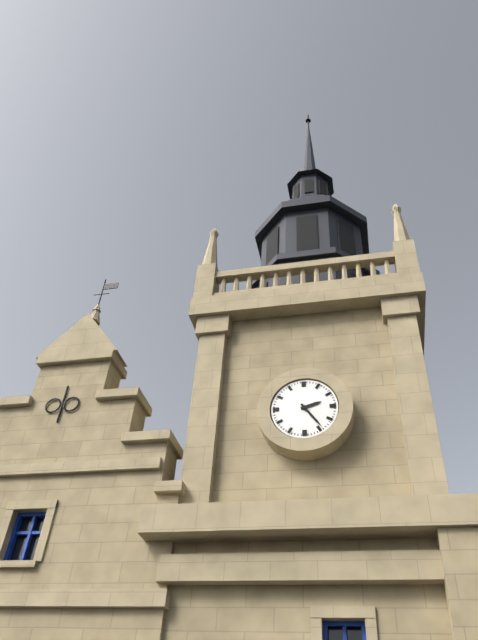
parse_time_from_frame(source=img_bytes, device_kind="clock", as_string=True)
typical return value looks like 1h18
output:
2h24
